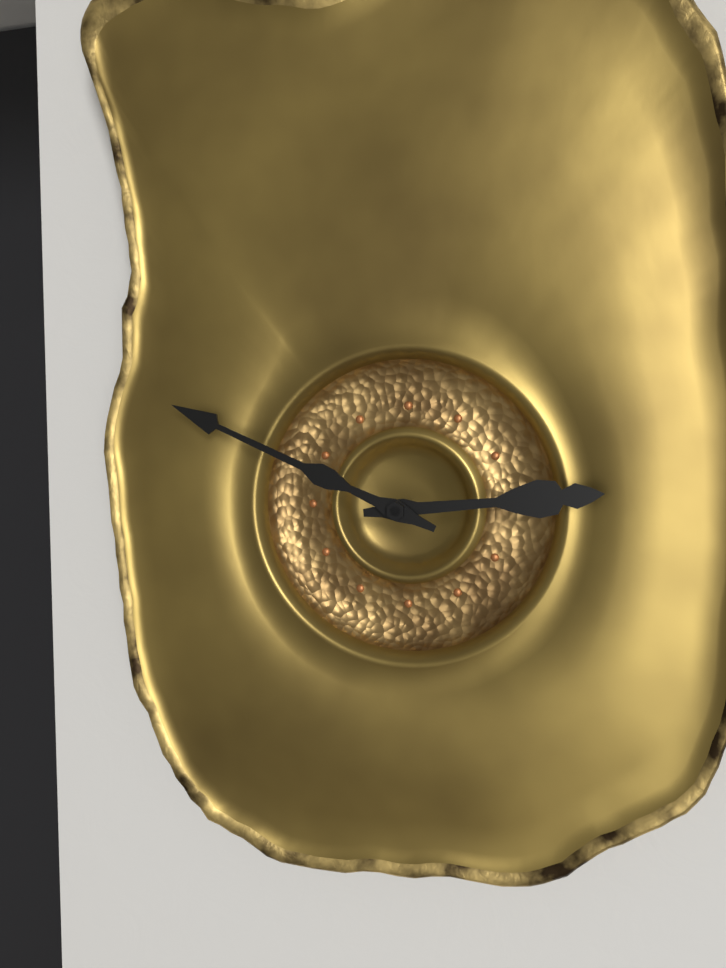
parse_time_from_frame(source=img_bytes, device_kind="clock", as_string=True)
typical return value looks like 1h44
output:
2h49
